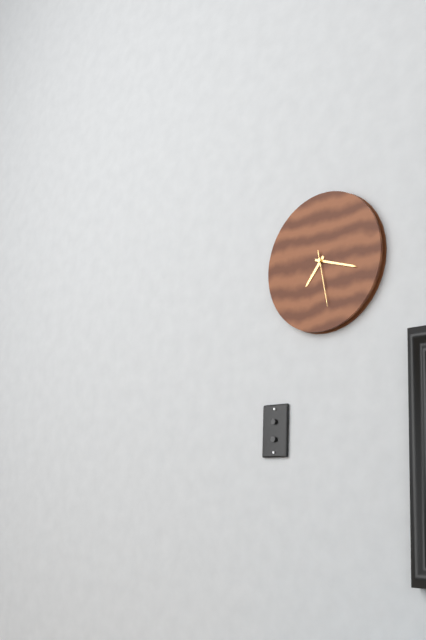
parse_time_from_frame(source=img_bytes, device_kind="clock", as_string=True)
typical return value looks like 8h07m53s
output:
7h18m28s
